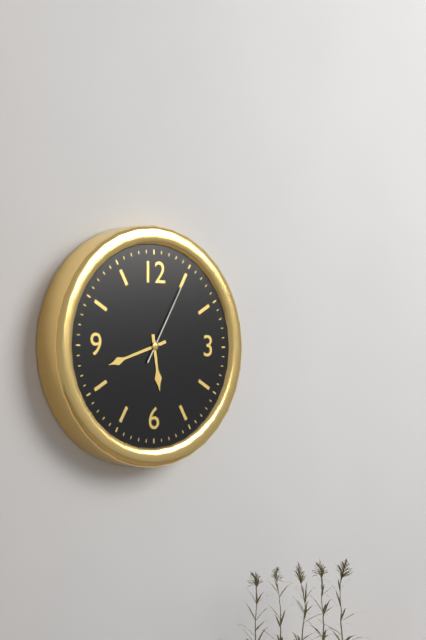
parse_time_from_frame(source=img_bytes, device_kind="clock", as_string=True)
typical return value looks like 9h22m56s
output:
5h42m05s
